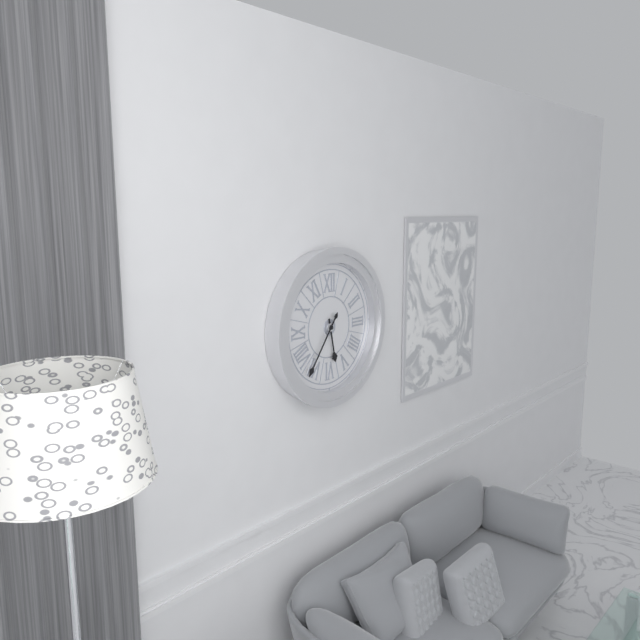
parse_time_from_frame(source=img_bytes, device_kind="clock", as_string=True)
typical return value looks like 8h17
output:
5h36
